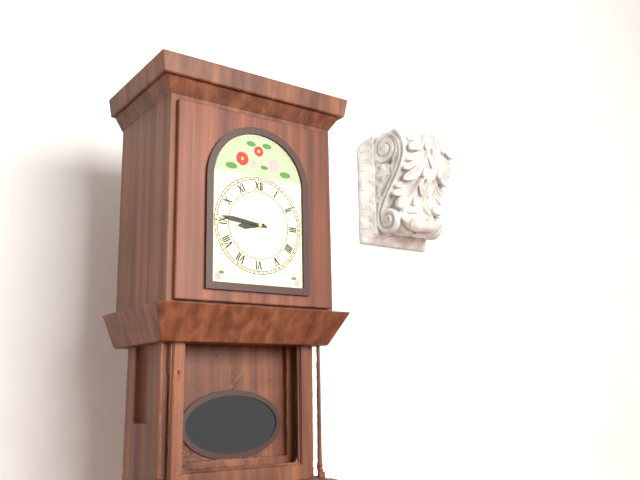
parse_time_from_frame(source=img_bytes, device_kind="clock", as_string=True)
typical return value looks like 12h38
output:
8h46
